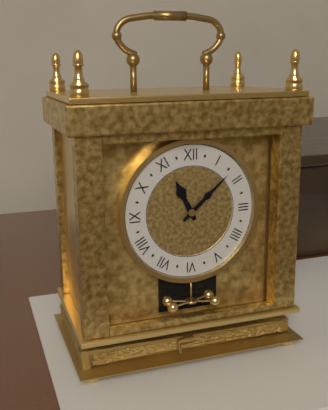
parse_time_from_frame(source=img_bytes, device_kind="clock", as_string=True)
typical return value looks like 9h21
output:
11h08
